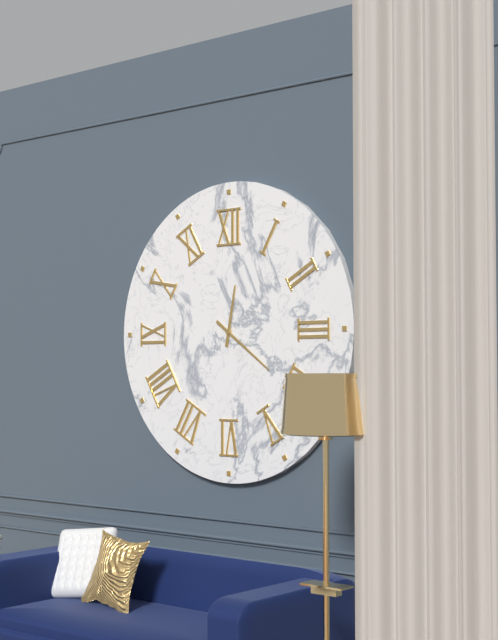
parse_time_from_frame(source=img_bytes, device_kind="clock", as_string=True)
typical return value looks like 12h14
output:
12h21
